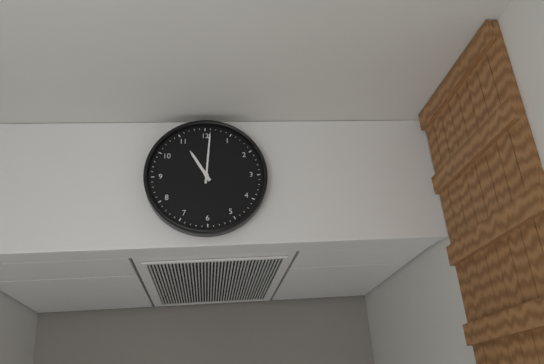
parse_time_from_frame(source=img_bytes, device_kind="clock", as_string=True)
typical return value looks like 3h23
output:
11h01
